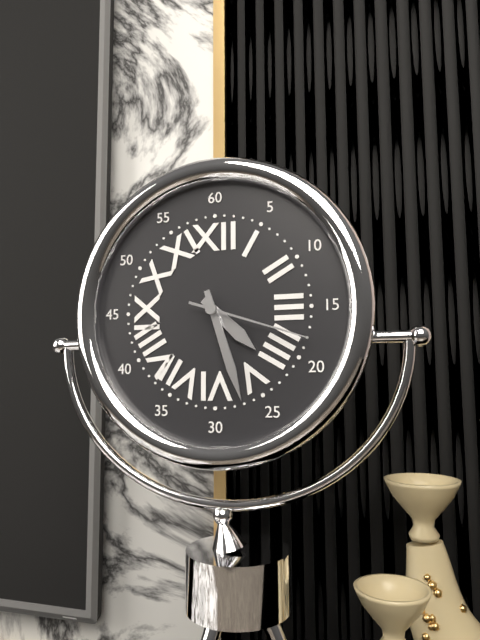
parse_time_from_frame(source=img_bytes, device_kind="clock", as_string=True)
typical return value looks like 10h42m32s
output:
4h27m18s
